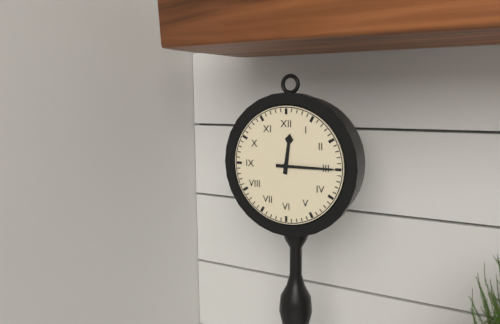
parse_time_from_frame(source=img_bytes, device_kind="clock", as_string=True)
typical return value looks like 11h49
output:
12h15
